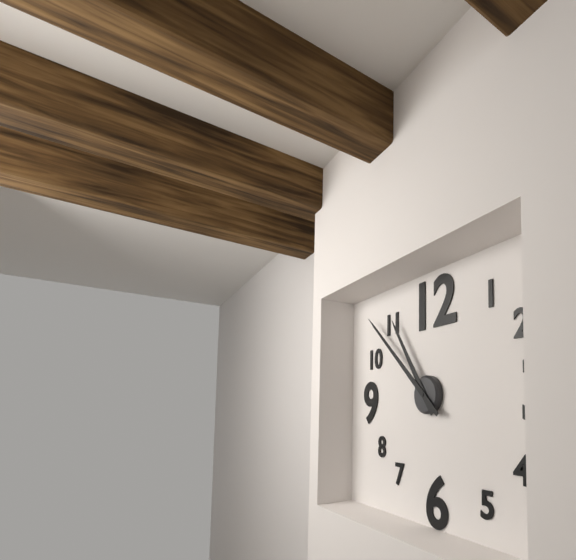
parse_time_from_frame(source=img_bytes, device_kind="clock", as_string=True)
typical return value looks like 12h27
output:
10h52
